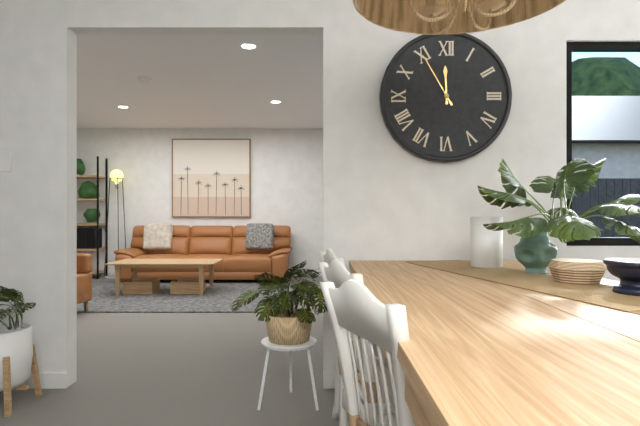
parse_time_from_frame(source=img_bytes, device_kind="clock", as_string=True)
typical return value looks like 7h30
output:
11h55
